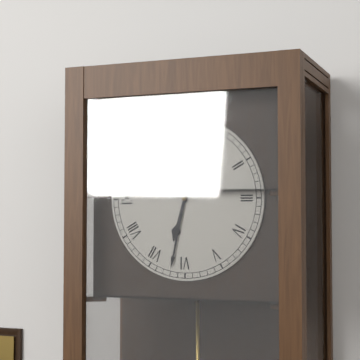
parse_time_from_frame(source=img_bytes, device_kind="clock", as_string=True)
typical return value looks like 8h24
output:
6h32
